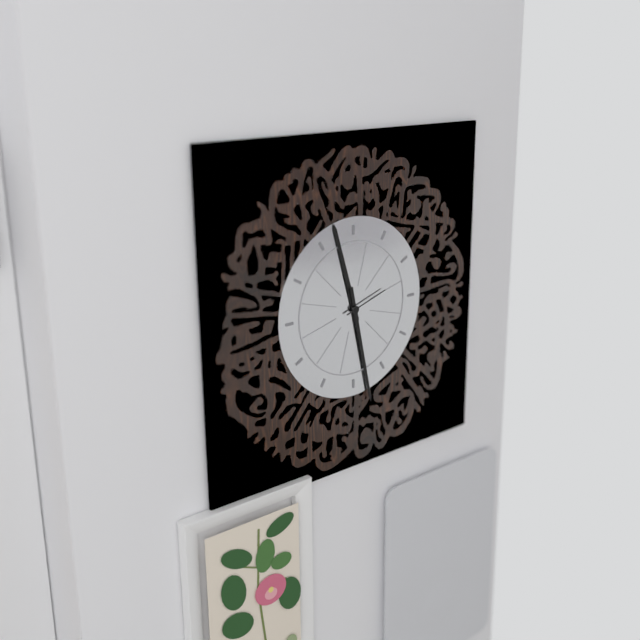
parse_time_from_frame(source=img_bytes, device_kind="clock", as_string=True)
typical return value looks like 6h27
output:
11h28
